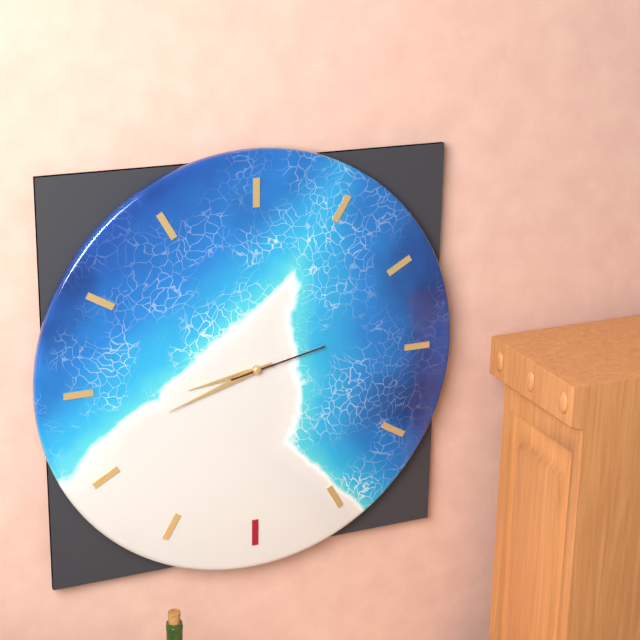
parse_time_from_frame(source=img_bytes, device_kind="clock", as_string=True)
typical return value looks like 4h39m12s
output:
8h42m13s
